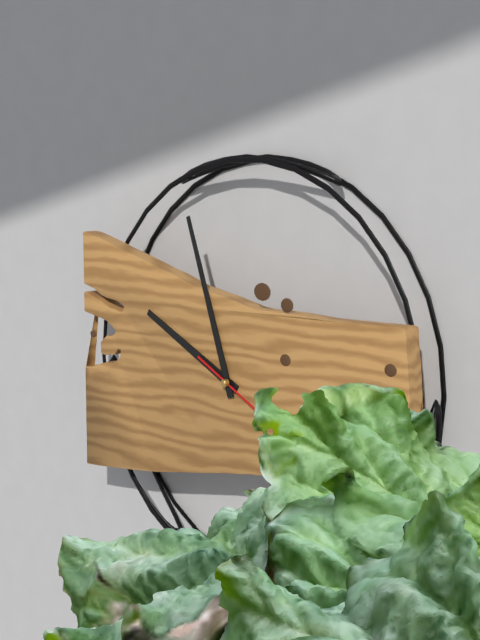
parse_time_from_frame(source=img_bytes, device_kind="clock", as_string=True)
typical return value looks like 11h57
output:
9h57
